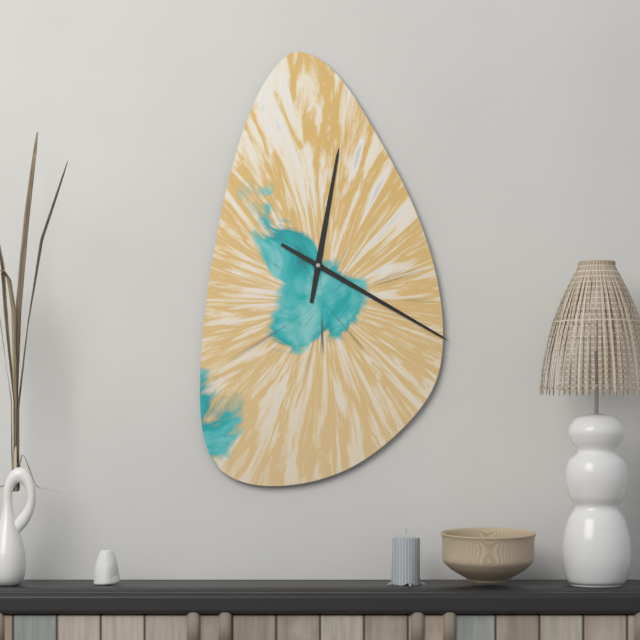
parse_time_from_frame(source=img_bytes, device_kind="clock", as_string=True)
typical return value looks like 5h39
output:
12h20
